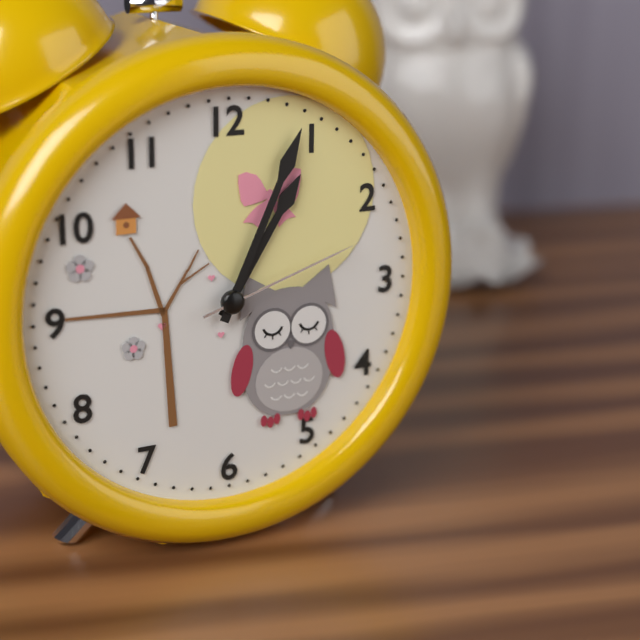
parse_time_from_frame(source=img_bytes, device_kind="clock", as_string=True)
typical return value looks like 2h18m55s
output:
1h04m12s
